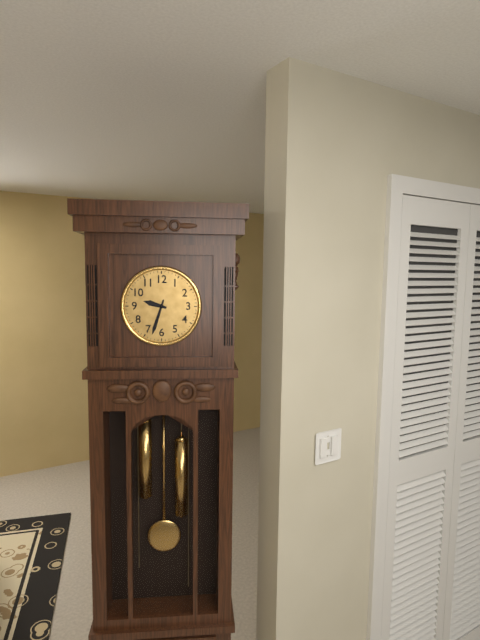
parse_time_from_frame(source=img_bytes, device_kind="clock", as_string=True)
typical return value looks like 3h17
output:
9h33
